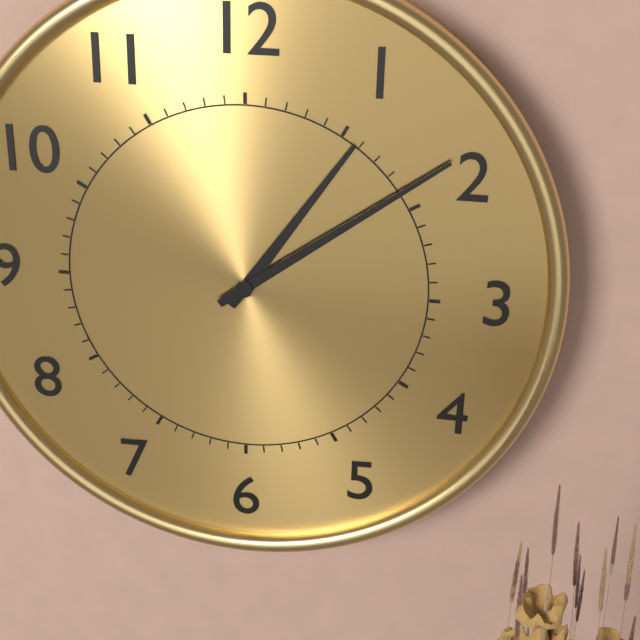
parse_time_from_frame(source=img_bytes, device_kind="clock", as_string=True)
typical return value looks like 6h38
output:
1h09
